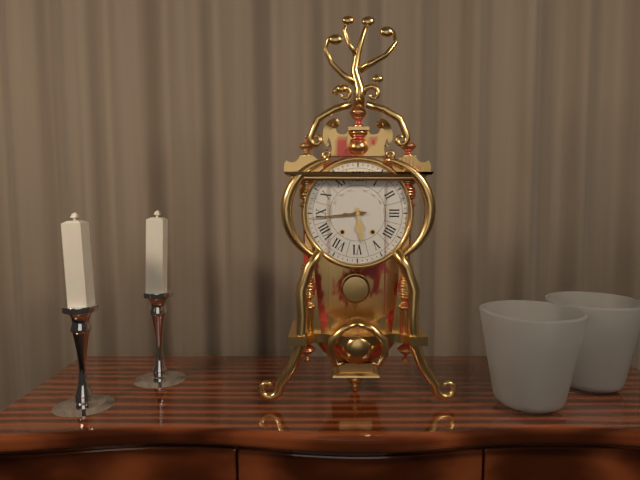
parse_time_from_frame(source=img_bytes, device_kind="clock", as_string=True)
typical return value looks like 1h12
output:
5h44
